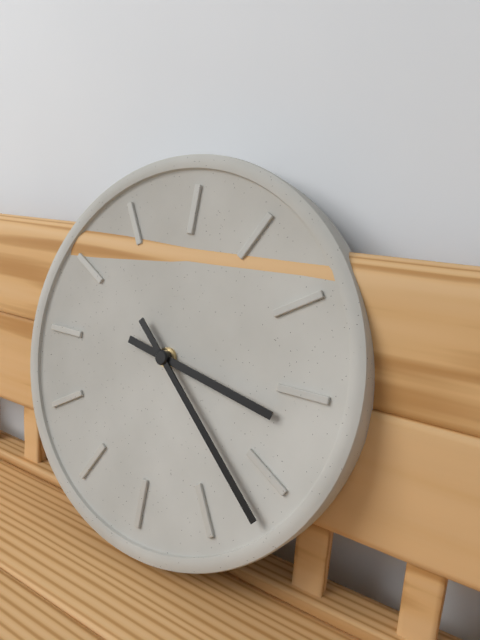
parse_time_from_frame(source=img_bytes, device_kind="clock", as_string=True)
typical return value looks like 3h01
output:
3h22
